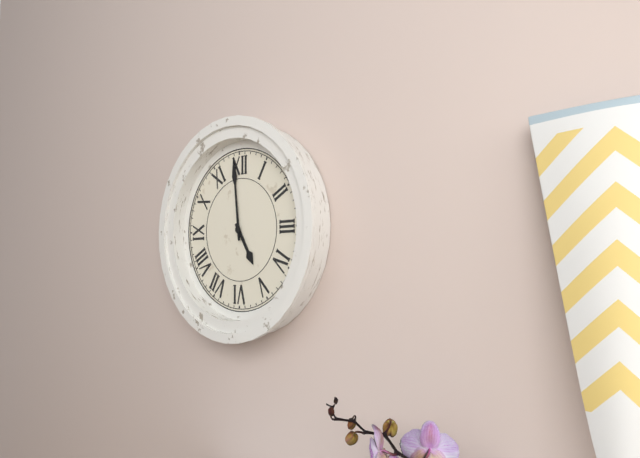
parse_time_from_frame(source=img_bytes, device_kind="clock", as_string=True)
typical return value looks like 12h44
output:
4h59
